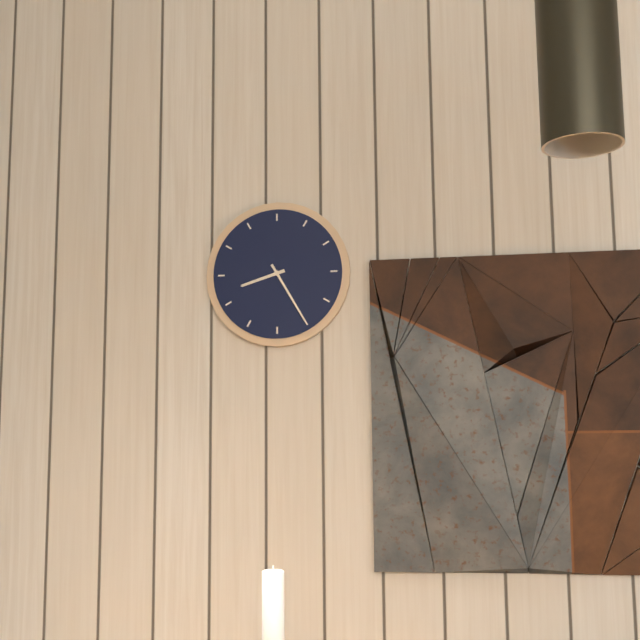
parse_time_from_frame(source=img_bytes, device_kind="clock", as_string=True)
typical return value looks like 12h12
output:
8h25
